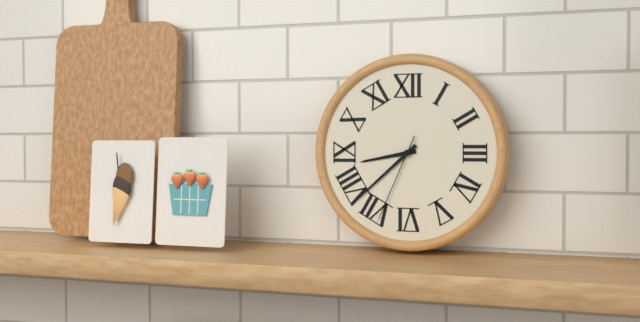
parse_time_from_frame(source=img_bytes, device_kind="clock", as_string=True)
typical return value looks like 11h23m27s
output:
8h38m34s
